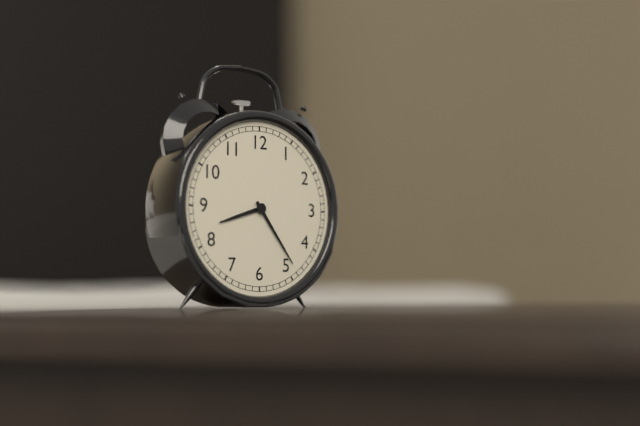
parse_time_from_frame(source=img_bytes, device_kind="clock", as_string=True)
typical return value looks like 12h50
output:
8h24
